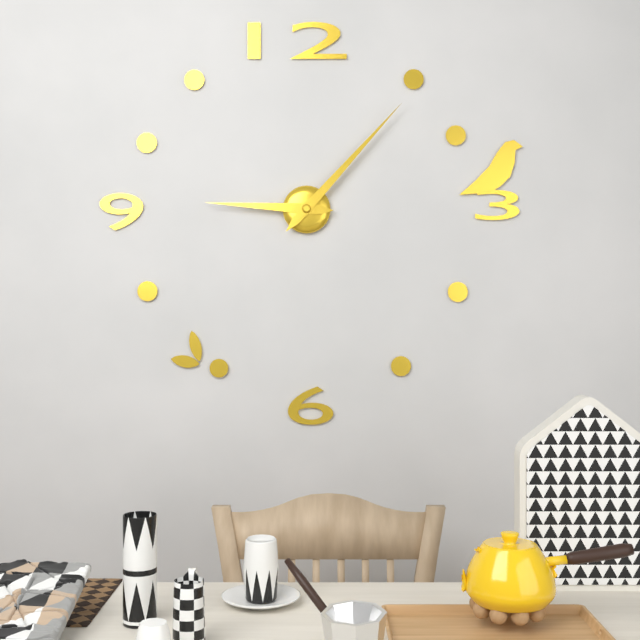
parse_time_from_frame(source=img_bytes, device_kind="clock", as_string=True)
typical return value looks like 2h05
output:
9h07
